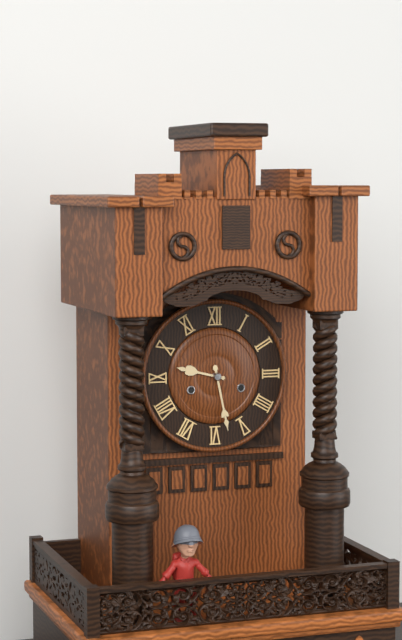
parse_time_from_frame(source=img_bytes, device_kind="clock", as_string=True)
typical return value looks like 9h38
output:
9h28
